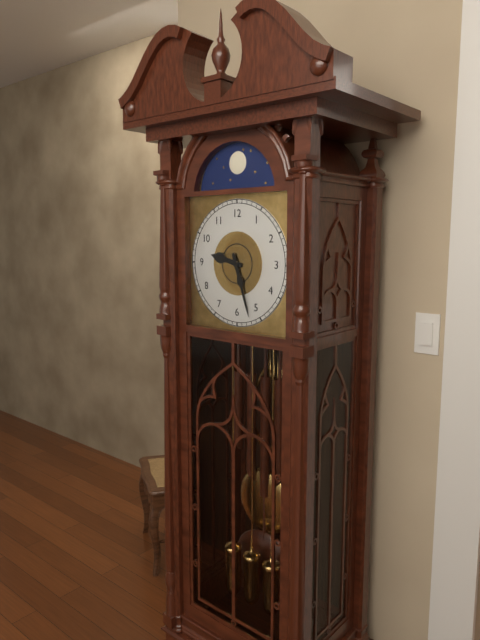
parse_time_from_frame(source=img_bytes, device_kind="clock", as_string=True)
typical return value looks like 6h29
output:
9h27
